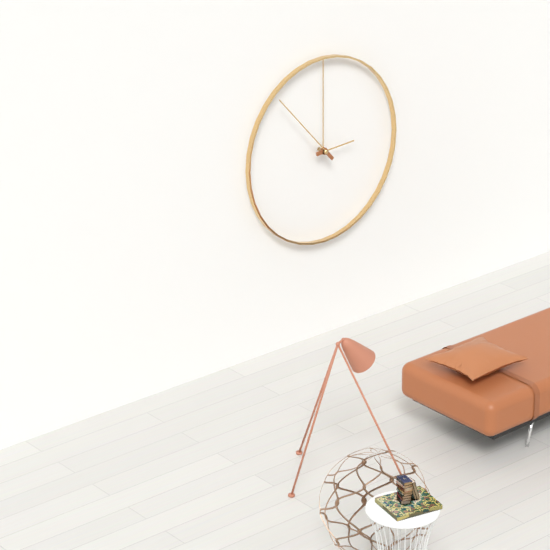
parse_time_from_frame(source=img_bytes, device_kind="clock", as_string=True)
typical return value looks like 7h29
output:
2h53
